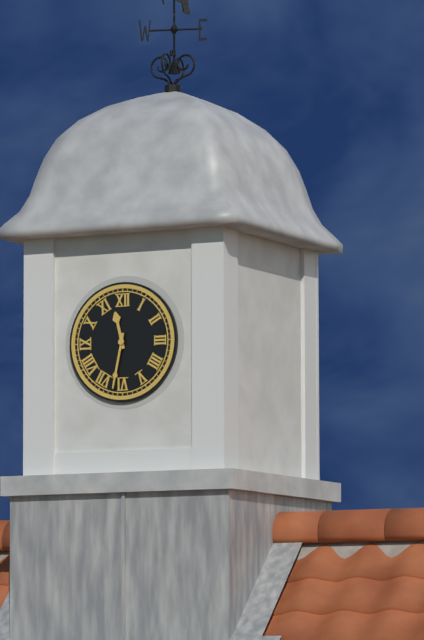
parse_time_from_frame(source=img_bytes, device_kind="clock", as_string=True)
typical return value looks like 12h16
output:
11h32
